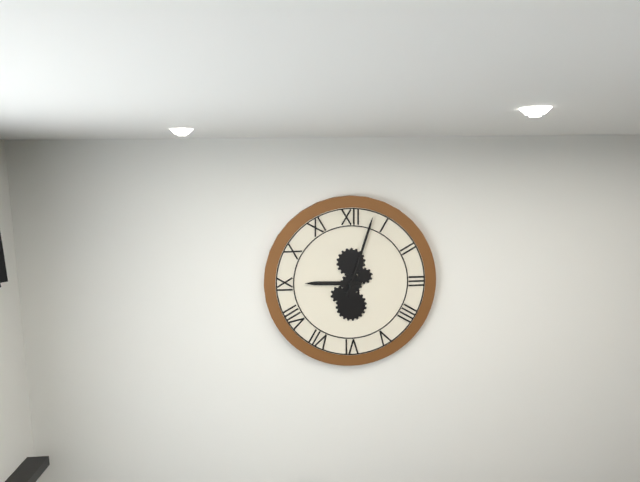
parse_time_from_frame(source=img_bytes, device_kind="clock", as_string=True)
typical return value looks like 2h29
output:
9h03
